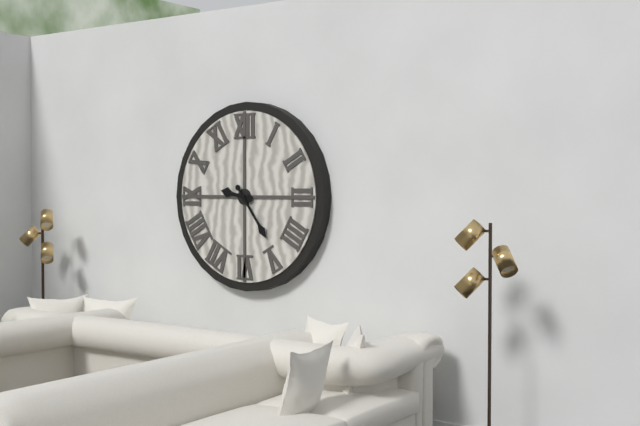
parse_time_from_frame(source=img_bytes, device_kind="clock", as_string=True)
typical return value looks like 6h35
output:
9h24
